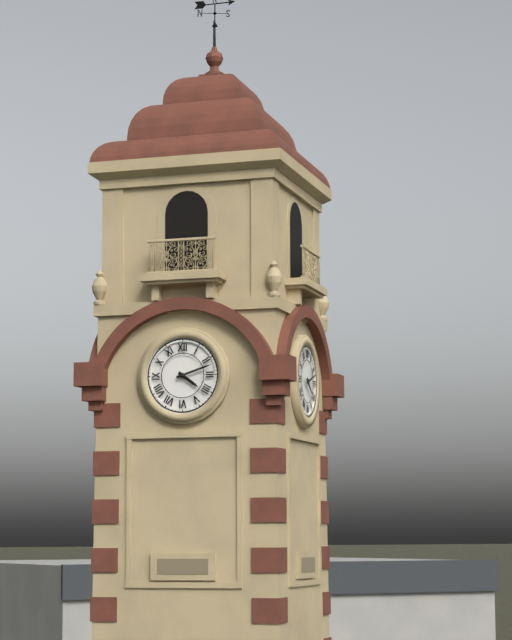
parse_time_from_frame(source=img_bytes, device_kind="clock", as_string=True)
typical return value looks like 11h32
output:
4h12
